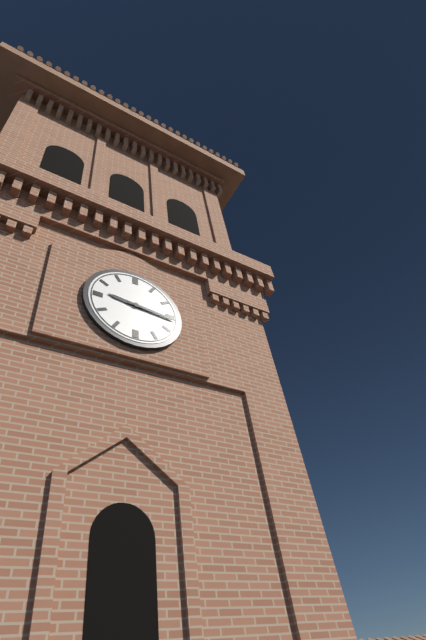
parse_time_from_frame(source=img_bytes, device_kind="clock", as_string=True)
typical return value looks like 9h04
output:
9h16
